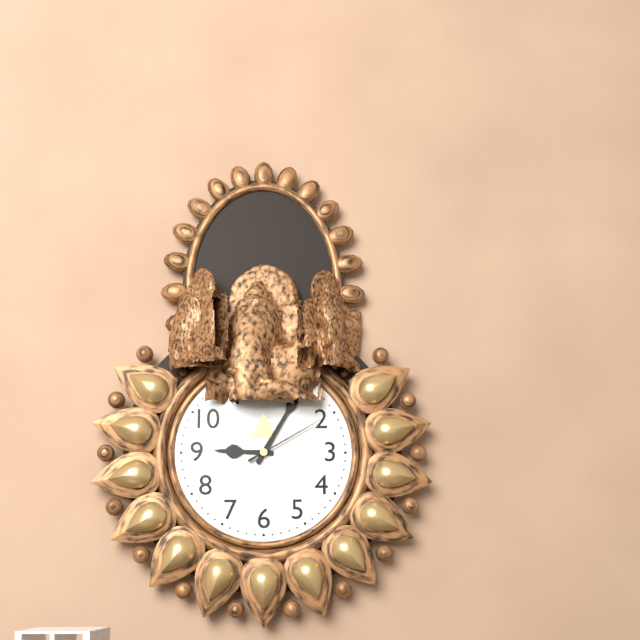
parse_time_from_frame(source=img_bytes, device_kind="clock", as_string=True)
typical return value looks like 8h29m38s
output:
9h05m10s
